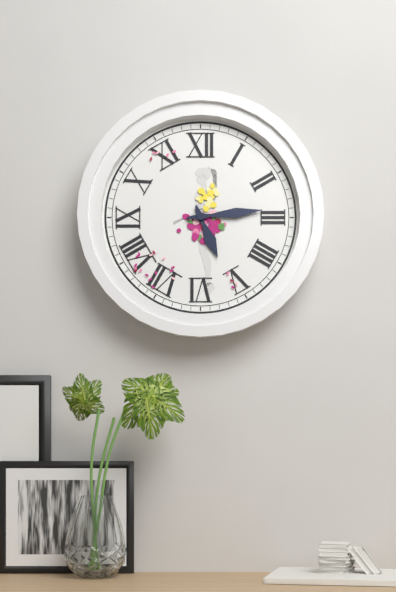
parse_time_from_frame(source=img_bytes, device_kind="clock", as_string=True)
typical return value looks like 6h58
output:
5h14
